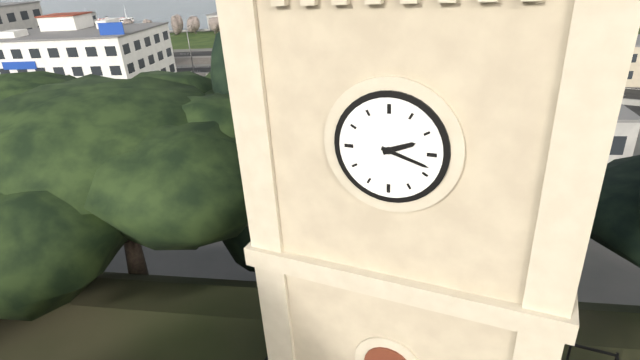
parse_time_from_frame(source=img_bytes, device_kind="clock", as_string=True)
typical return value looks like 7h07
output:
2h18
